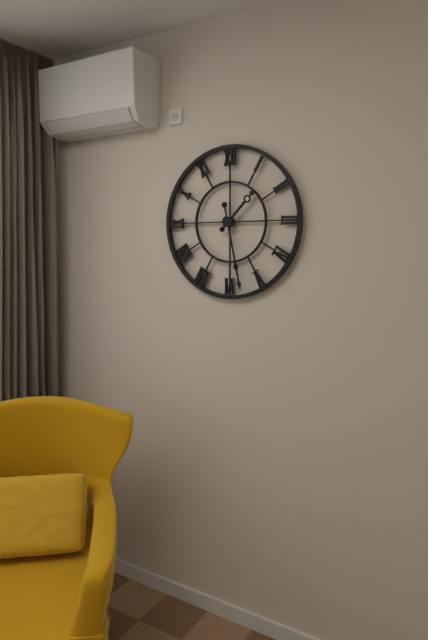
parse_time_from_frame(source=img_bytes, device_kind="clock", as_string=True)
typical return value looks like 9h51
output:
1h28
